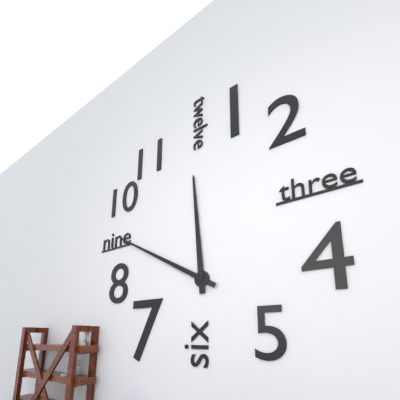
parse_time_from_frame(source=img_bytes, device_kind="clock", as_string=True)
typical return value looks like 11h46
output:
11h50
